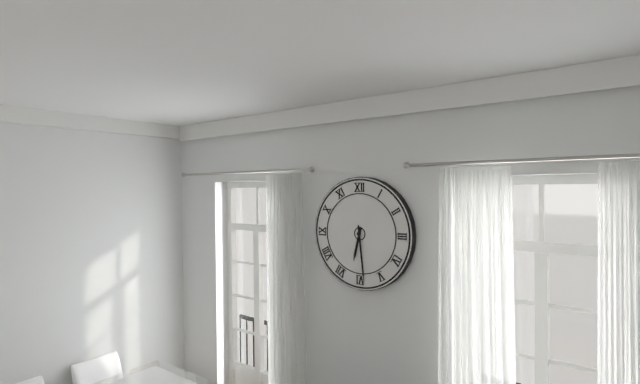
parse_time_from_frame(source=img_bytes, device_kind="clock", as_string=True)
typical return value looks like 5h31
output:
6h29
